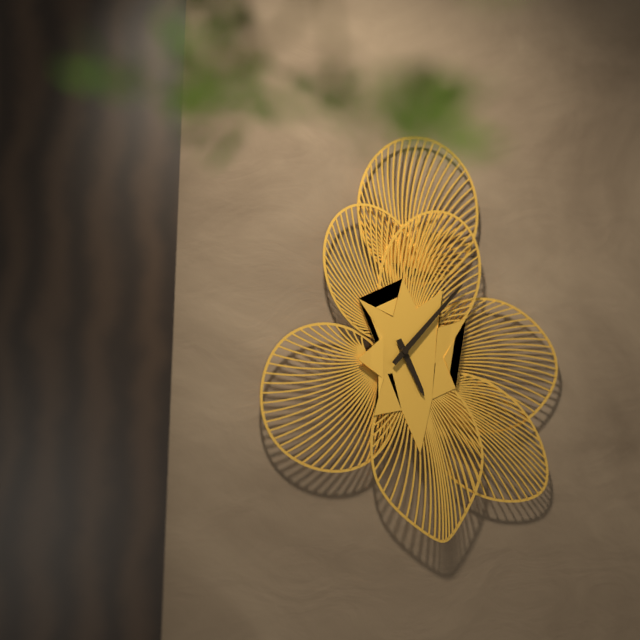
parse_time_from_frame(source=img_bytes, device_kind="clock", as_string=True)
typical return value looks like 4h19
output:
5h07
